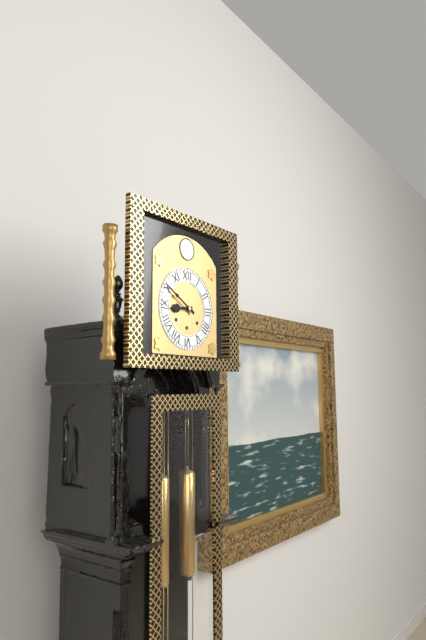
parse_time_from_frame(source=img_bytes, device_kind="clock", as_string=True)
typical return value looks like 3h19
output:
8h50
